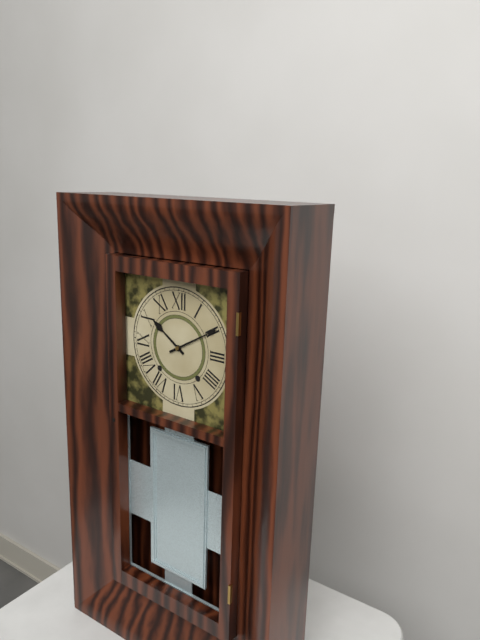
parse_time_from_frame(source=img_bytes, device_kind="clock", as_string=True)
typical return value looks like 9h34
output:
10h10
